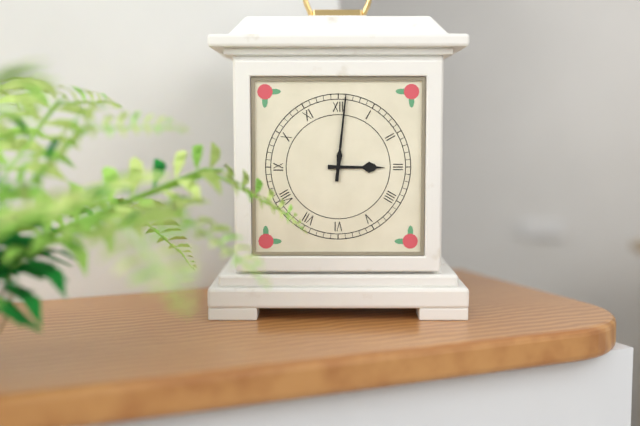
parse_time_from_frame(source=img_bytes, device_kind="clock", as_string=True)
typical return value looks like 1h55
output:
3h01
